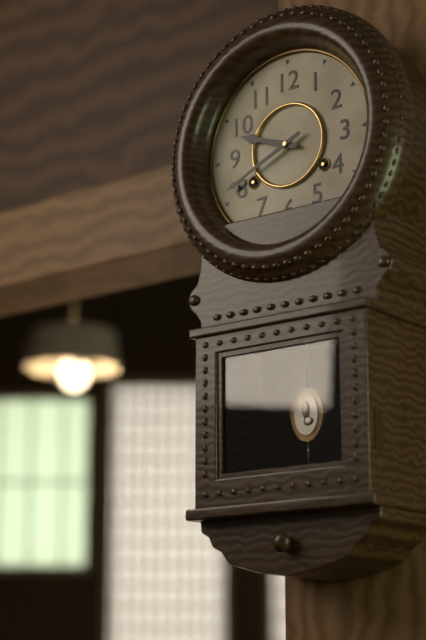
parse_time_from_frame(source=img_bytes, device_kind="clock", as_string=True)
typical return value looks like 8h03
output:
9h41
